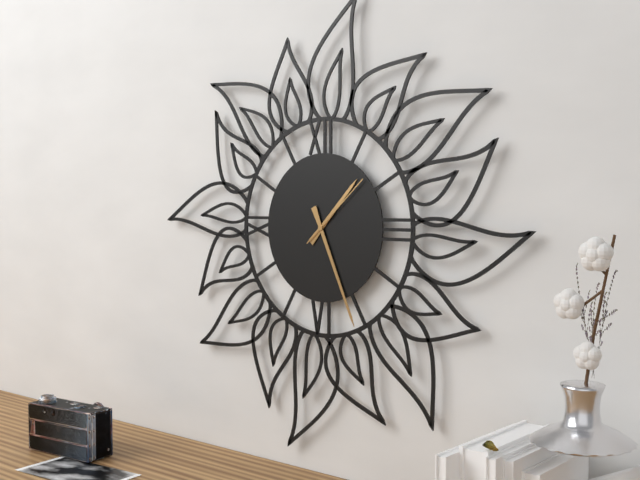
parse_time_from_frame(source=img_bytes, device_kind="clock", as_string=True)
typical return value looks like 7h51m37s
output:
1h26m08s
